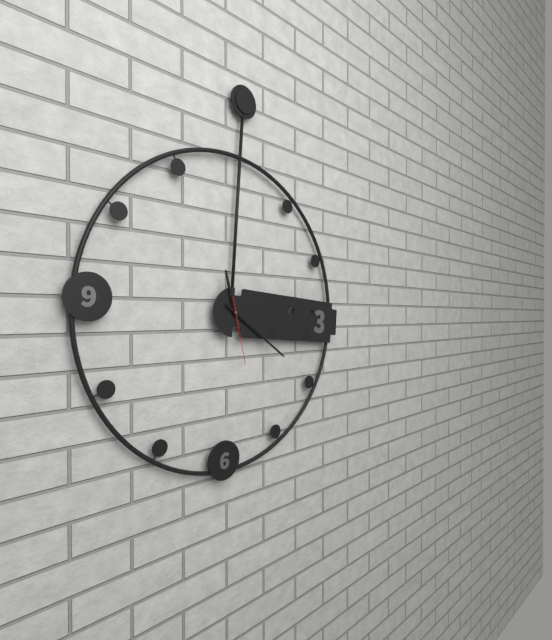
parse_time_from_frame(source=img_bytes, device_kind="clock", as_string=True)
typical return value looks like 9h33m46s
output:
11h20m27s
